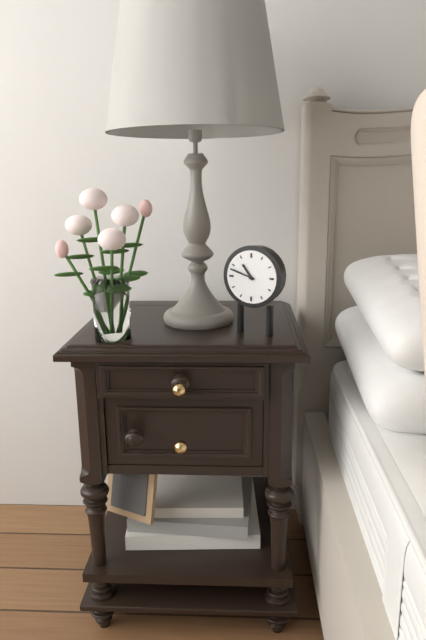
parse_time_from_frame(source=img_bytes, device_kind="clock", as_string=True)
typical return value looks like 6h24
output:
10h48
